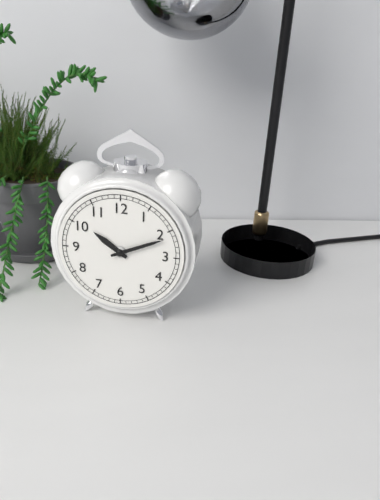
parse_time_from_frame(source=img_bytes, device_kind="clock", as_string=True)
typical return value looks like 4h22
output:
10h11
